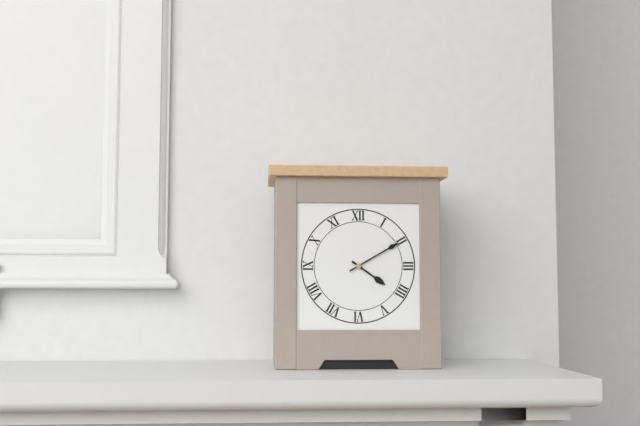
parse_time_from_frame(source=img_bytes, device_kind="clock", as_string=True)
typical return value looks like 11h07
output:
4h10
